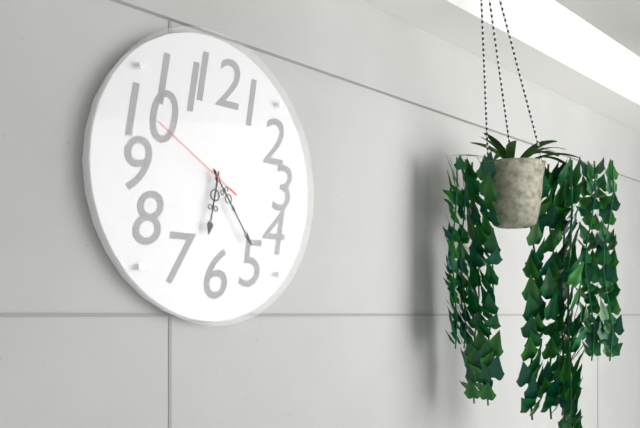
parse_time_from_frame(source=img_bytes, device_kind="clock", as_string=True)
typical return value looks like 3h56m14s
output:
6h24m50s
